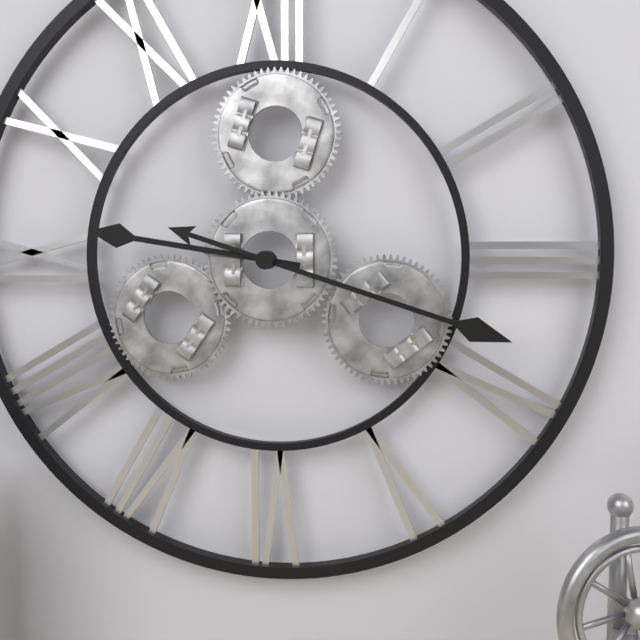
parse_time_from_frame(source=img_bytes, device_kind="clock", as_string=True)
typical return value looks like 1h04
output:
9h18
